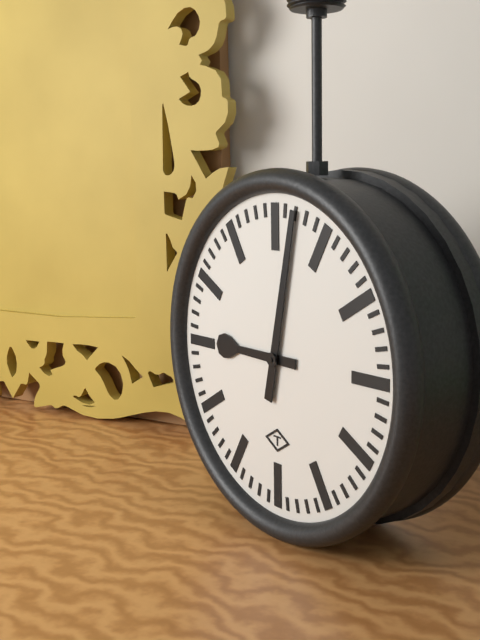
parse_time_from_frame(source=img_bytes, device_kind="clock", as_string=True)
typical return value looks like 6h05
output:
9h02
